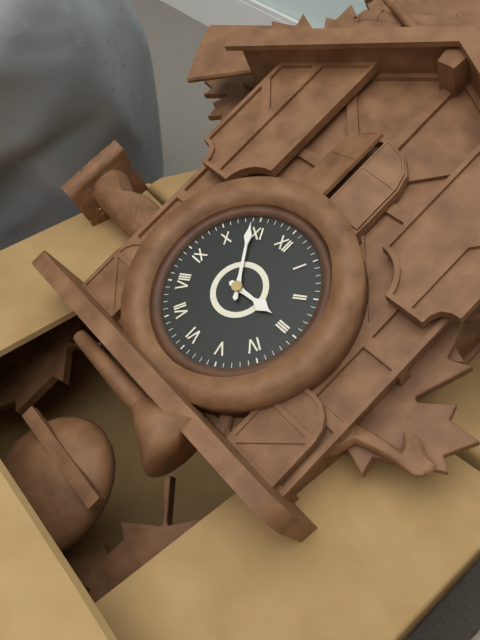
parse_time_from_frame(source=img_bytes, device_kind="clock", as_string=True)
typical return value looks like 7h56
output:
2h54
